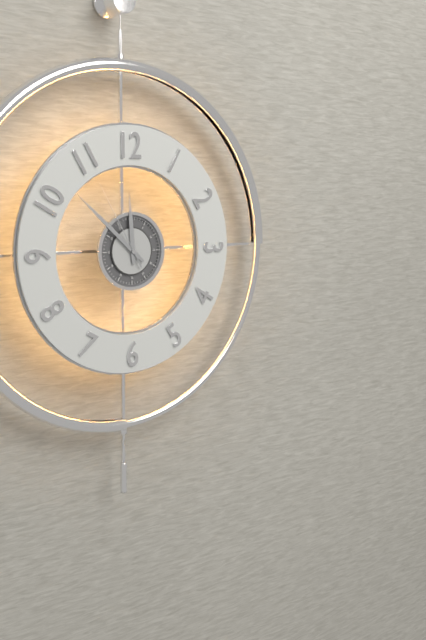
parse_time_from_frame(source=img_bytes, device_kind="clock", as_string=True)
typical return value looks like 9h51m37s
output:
11h52m55s
